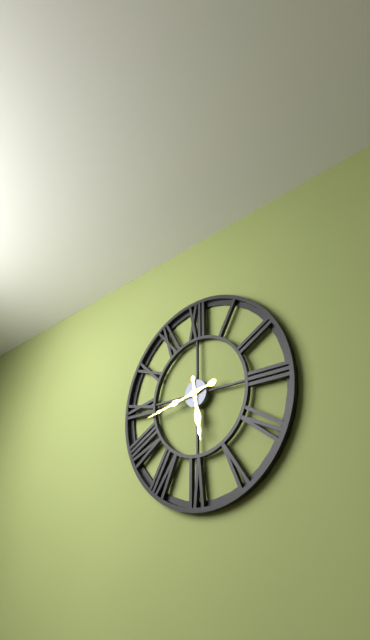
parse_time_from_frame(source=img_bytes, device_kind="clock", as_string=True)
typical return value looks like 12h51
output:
5h43
